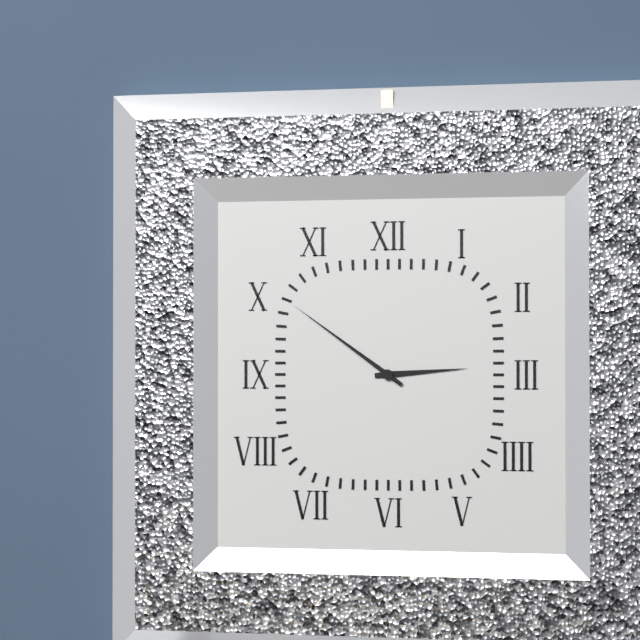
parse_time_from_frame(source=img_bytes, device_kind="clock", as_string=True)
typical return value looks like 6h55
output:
2h51
